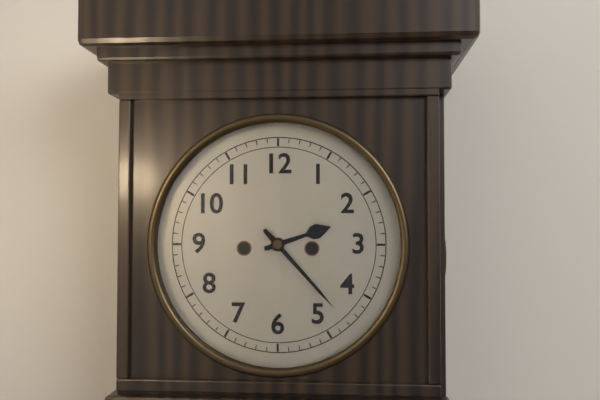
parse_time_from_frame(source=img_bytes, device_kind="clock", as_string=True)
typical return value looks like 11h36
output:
2h23
